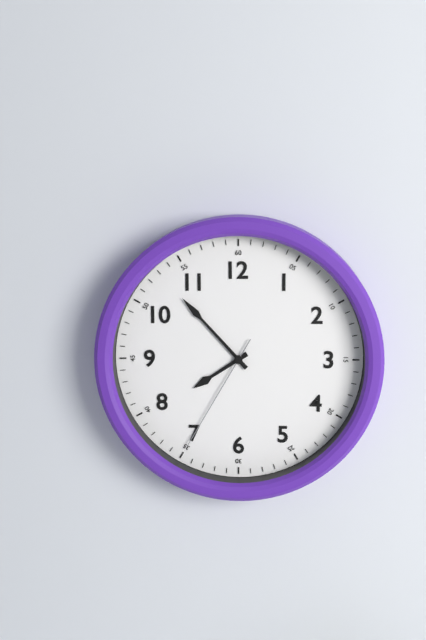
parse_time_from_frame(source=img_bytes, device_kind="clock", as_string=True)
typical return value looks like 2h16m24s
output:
7h53m35s
